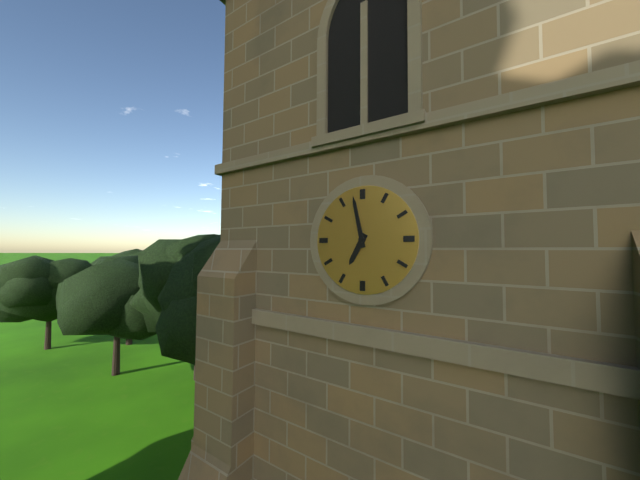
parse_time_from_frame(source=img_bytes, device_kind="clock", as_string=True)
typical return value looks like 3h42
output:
6h58
